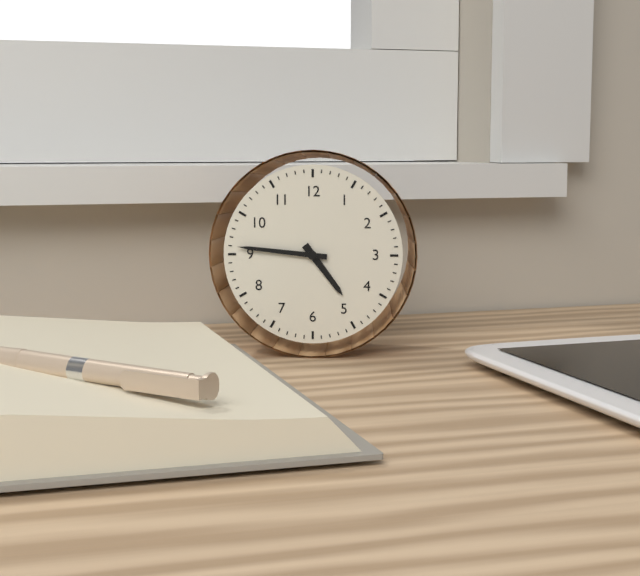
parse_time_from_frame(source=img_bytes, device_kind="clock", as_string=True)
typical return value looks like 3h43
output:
4h46
